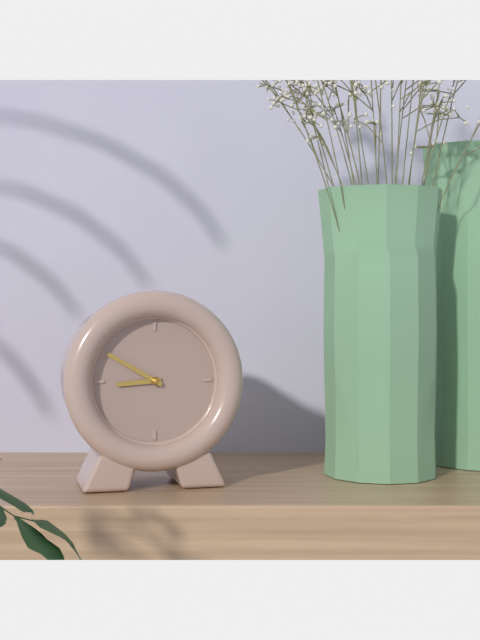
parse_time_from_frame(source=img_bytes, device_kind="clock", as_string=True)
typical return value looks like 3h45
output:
8h50
